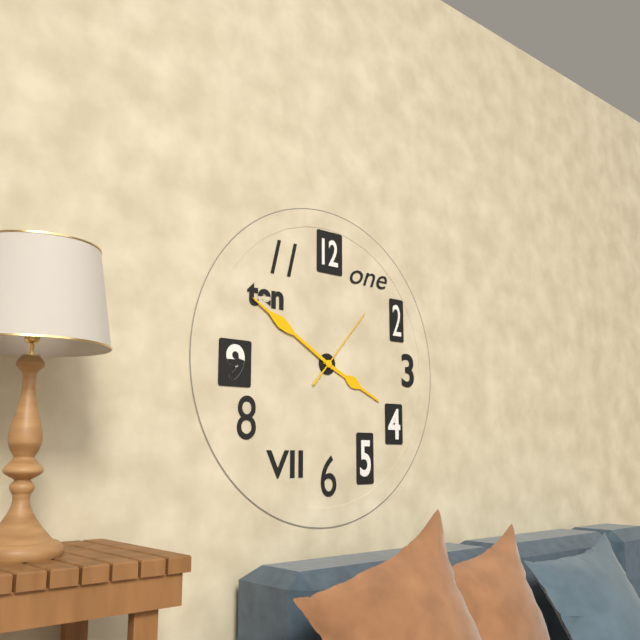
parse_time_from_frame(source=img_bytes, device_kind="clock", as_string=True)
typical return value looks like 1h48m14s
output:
3h50m07s
